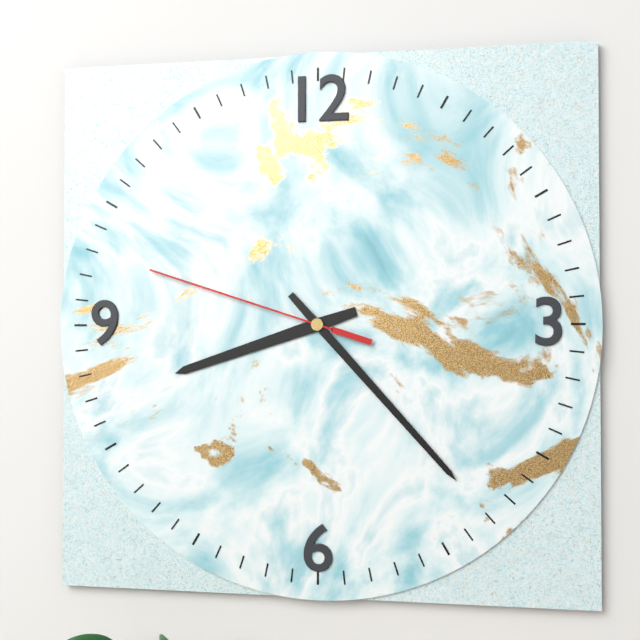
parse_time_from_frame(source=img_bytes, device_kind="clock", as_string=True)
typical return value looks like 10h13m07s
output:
8h23m48s
